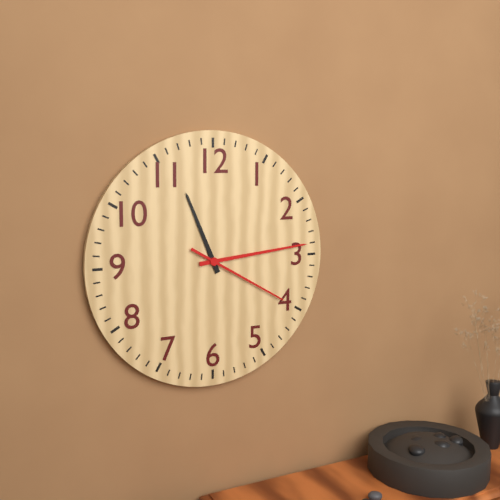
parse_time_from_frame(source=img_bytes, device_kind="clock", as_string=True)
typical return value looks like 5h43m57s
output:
11h14m20s
